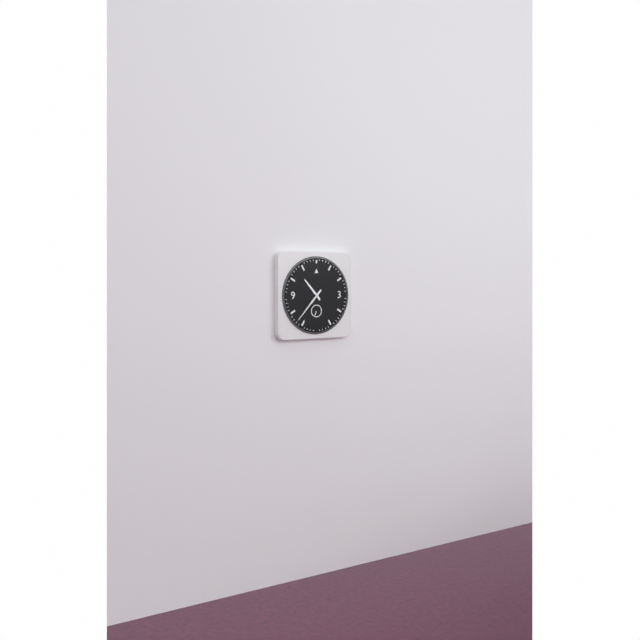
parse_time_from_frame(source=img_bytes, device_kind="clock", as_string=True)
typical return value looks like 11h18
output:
10h37
